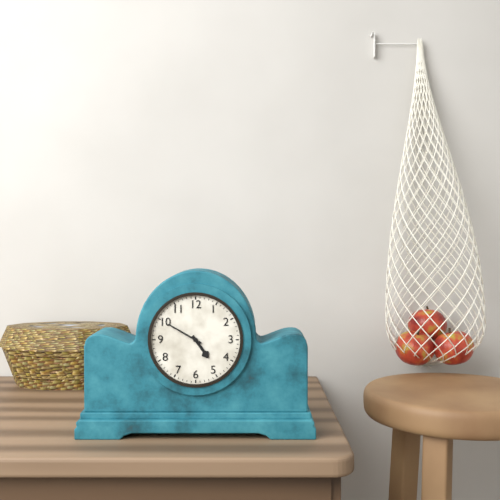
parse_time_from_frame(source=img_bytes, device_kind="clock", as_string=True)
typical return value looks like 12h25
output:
4h50
